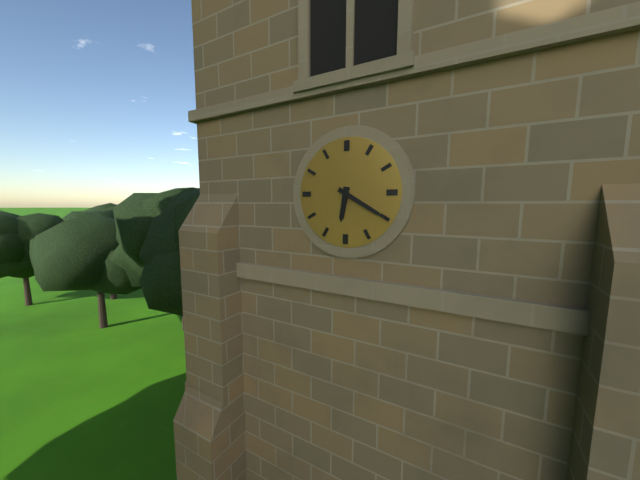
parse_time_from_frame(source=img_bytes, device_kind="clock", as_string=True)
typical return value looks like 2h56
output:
6h20
